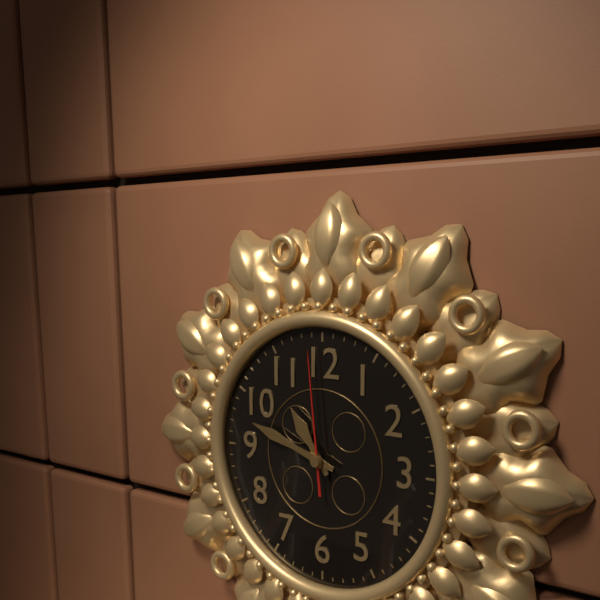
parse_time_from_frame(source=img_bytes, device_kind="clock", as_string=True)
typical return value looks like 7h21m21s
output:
10h48m59s
